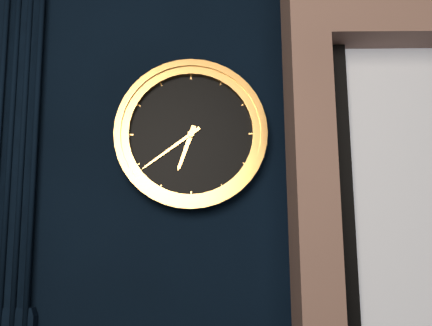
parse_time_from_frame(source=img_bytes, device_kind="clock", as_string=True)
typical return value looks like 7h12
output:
6h39
